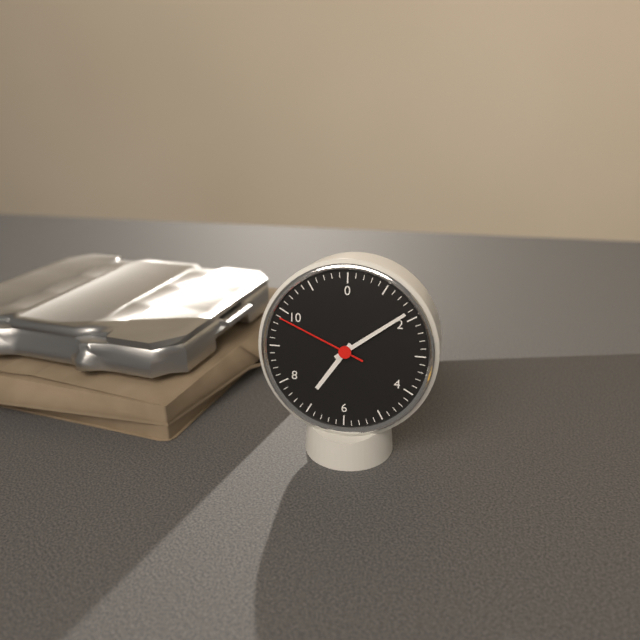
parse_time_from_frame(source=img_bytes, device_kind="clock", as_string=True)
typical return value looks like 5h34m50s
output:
7h09m49s
